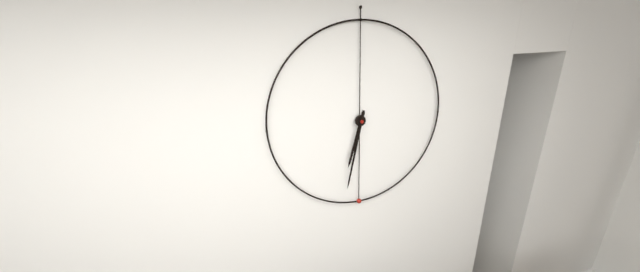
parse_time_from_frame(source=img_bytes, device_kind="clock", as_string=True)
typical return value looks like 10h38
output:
6h32
